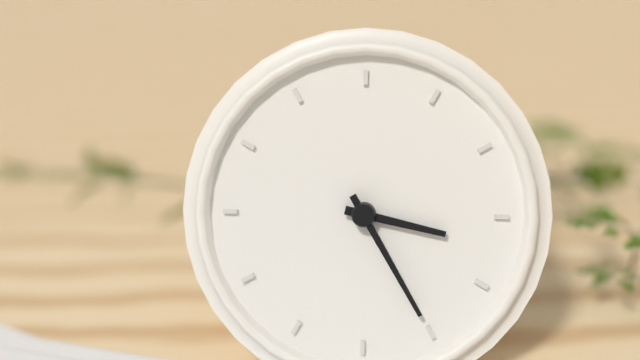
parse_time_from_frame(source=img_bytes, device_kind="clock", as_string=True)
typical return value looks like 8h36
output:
3h25
